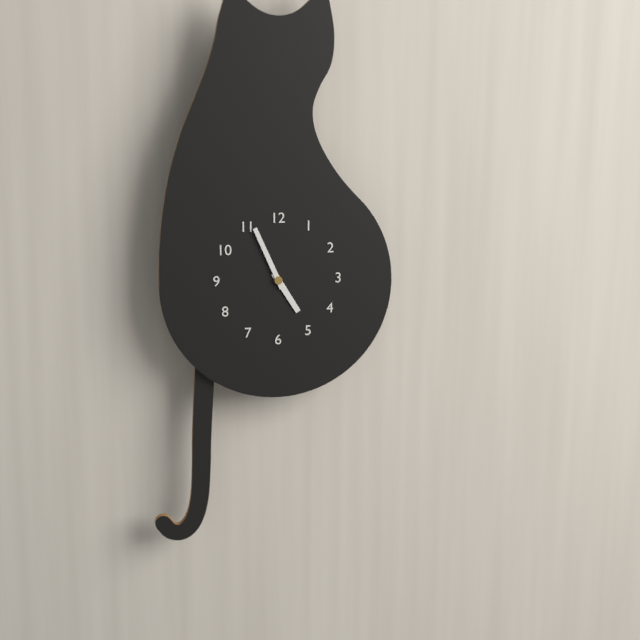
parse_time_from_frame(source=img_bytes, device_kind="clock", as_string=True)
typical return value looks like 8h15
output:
4h56
